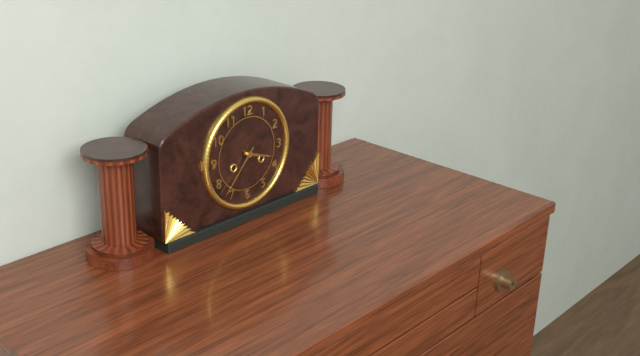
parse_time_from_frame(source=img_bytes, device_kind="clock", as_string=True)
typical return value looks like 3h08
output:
3h37
